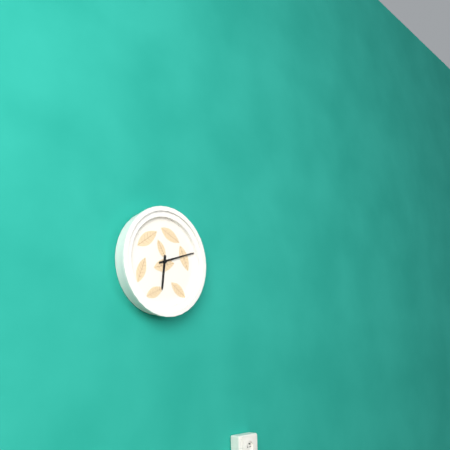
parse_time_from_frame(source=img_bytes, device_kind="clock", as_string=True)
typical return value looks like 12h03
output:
6h12
